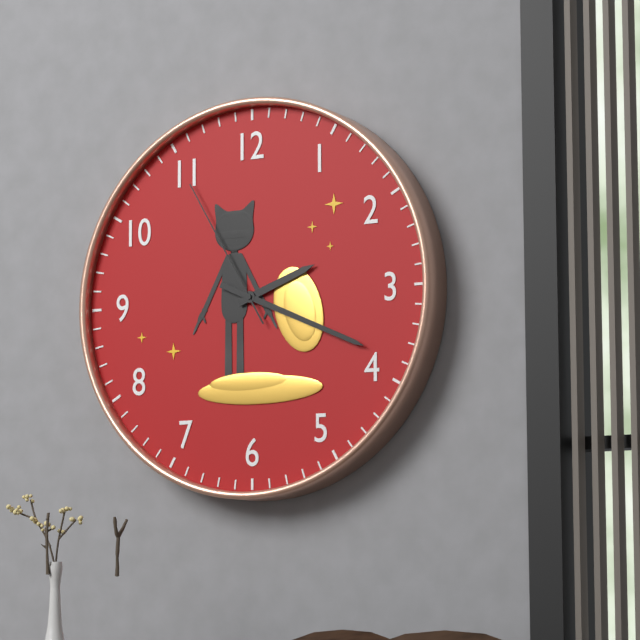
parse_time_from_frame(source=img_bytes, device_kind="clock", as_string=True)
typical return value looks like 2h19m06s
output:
2h19m55s
